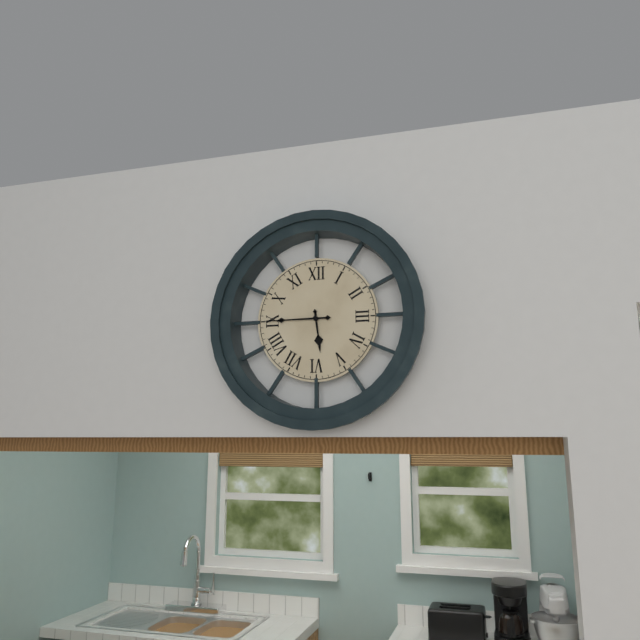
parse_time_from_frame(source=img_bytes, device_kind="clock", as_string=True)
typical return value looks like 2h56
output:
5h45
